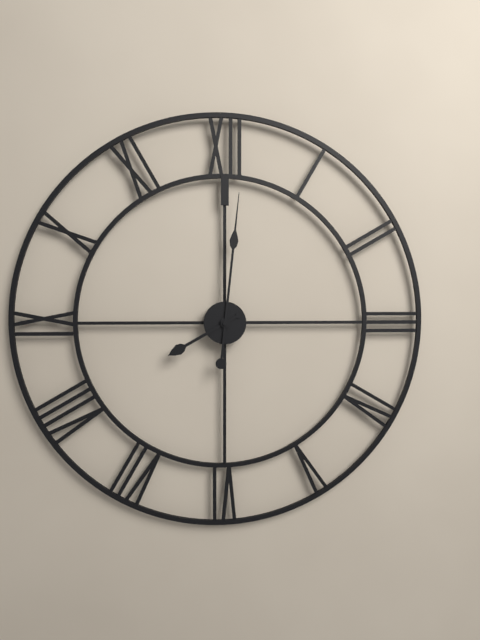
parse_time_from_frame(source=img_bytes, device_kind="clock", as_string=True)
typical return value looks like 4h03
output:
8h01
